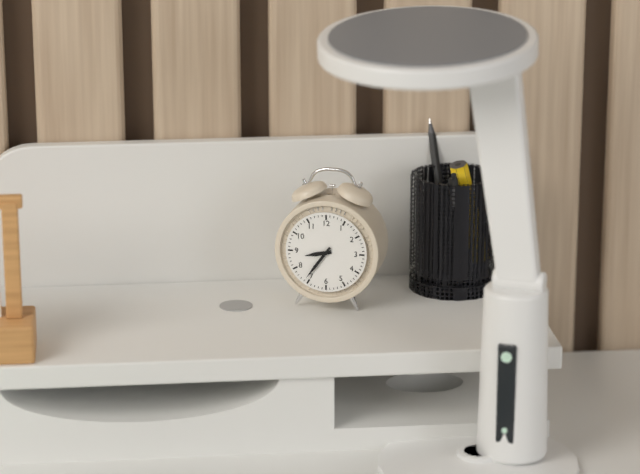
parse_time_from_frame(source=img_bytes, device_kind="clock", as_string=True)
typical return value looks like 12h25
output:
8h36
